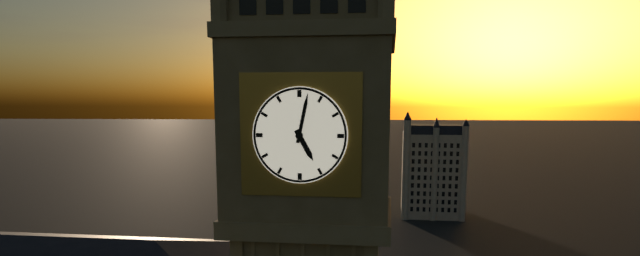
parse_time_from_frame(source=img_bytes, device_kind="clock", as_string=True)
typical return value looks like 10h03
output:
5h02
